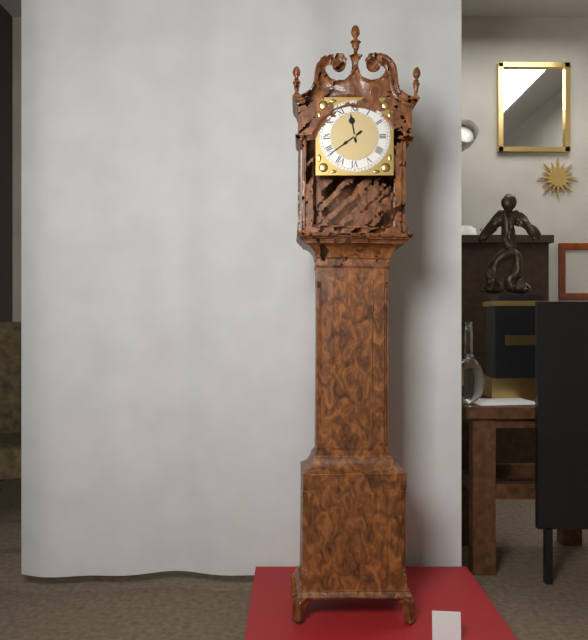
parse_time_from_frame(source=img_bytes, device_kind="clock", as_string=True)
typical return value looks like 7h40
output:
11h39
